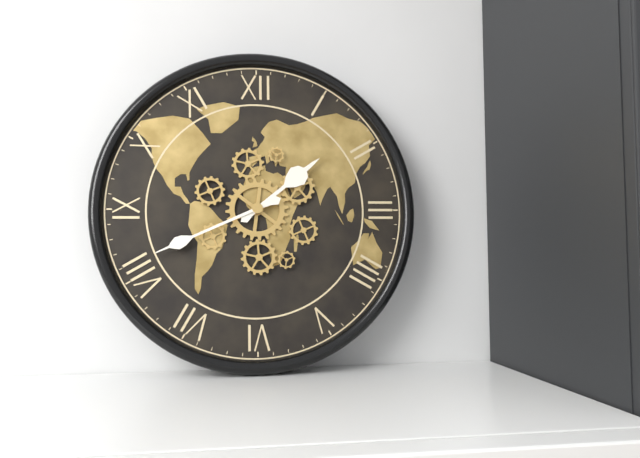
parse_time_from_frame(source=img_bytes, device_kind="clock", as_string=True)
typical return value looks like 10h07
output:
1h41
